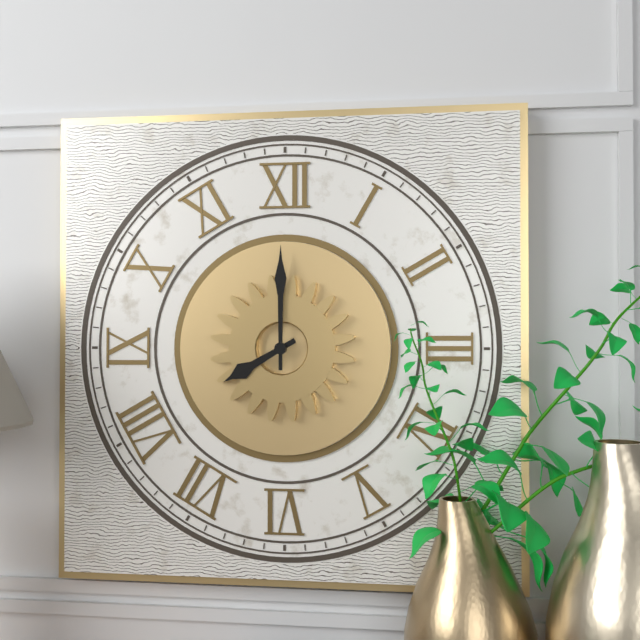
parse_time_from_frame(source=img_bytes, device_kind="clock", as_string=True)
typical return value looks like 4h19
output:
8h00
